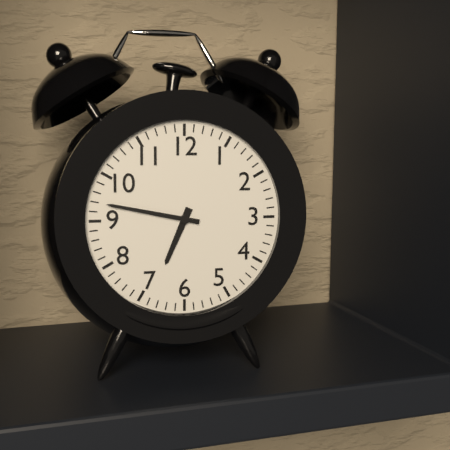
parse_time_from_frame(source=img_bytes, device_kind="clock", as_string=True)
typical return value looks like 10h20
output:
6h47
